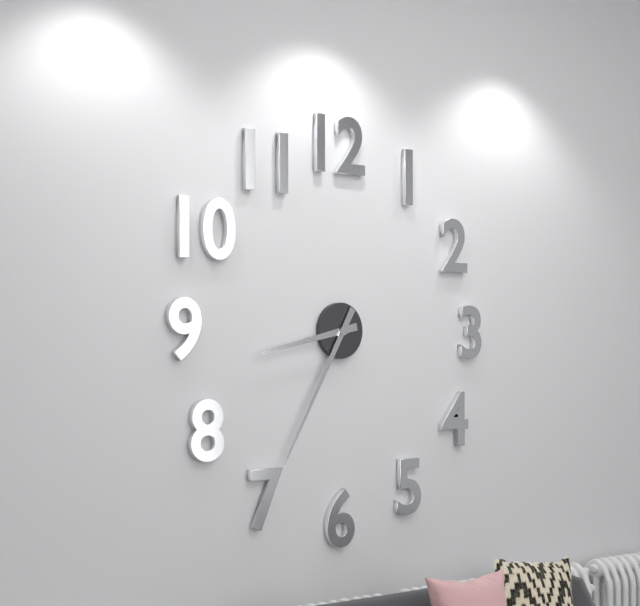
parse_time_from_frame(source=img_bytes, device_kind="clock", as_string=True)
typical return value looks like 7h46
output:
8h35
